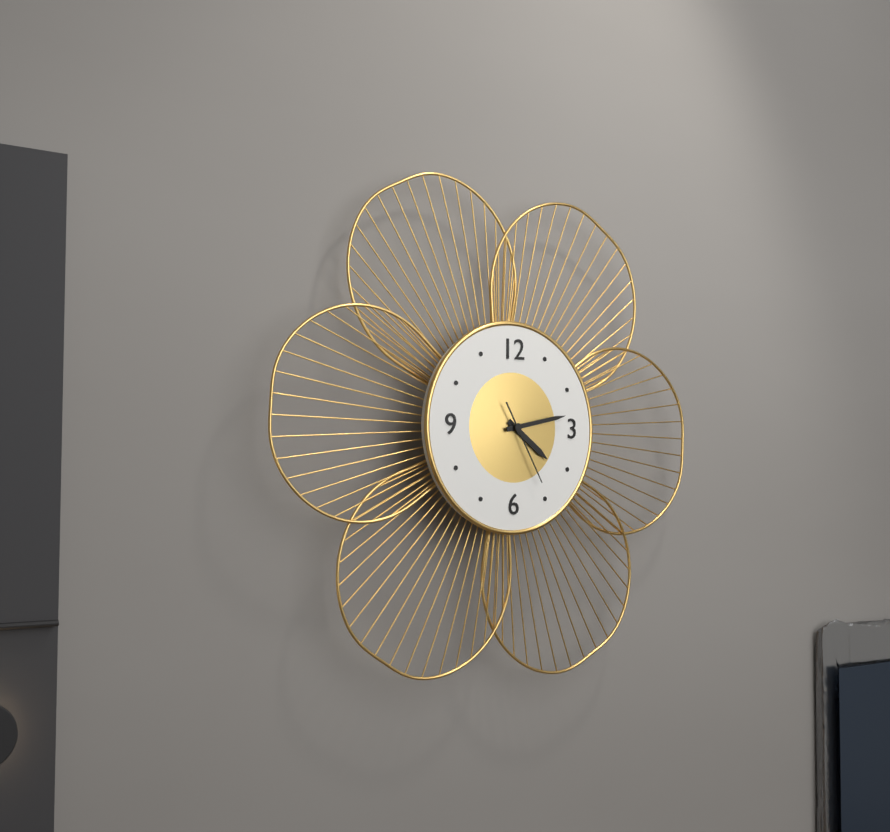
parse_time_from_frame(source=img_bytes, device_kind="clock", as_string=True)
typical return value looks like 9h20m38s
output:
4h13m25s
